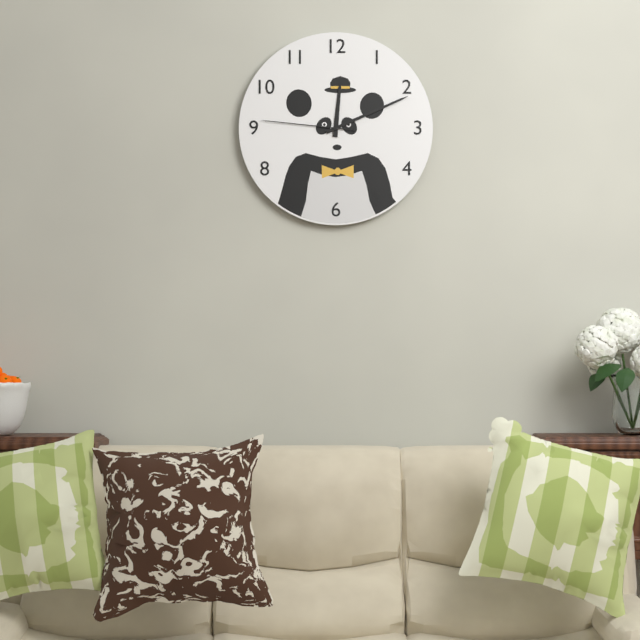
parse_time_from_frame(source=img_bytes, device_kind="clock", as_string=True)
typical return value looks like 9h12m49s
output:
12h11m46s
